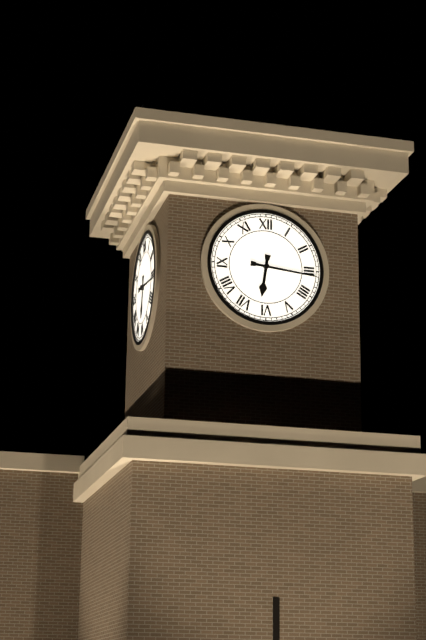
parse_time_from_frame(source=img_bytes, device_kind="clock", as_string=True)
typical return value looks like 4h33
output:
6h16
